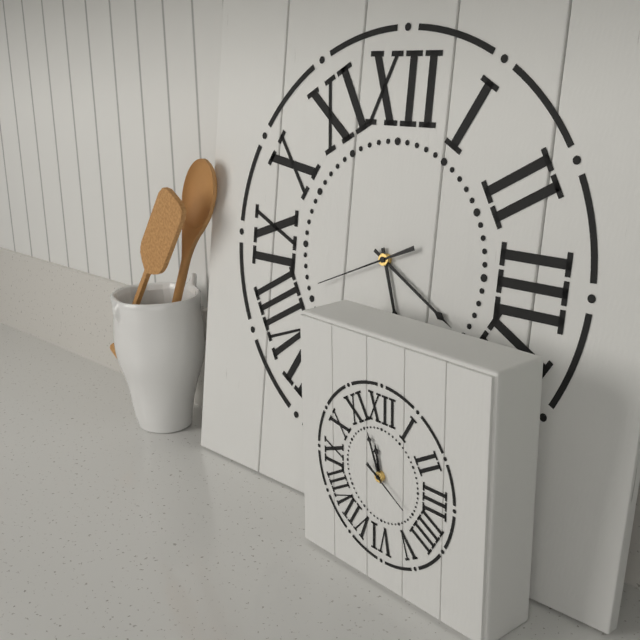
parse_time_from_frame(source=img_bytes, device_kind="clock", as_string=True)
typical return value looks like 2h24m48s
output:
5h20m41s
